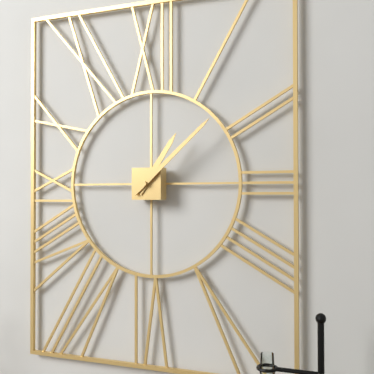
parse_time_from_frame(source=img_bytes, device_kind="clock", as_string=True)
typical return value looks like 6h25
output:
1h08
